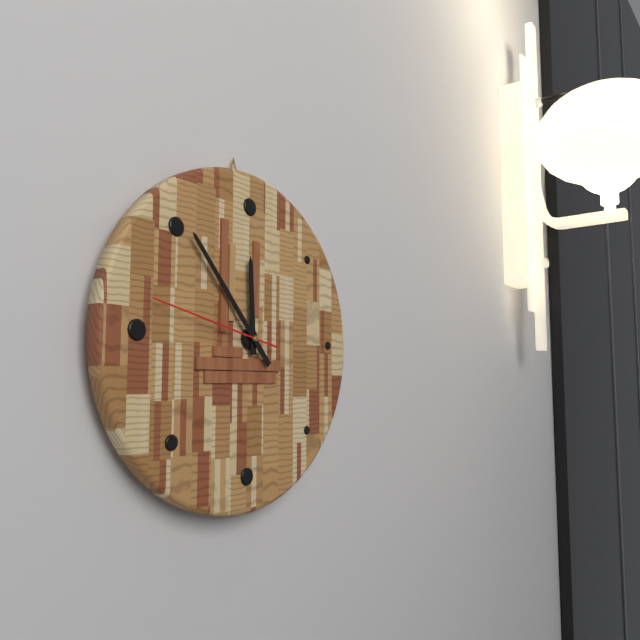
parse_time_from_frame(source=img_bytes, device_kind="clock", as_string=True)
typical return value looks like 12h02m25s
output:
11h53m47s
